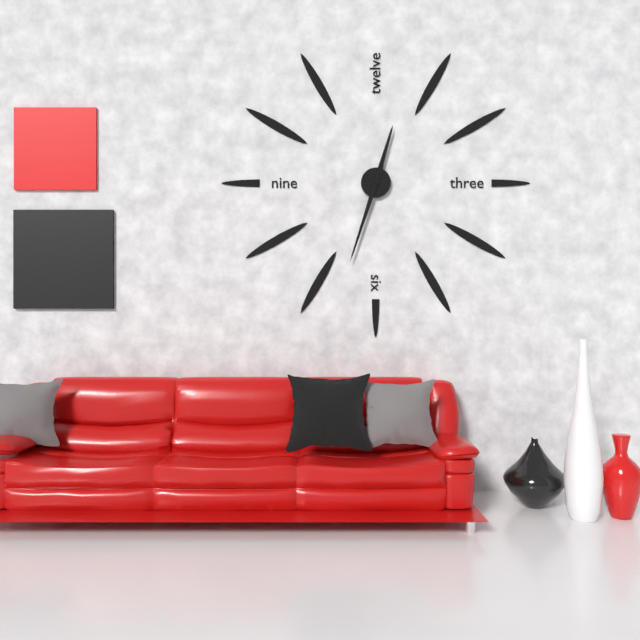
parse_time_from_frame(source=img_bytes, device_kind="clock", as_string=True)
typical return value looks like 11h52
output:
12h33
